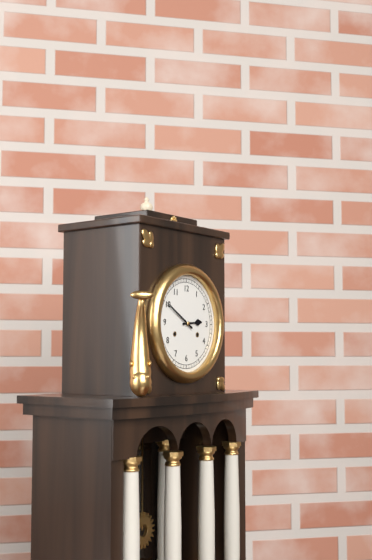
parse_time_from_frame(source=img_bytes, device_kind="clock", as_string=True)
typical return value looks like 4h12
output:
2h50
